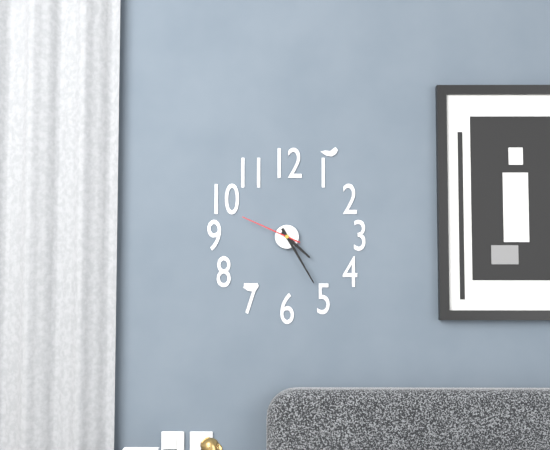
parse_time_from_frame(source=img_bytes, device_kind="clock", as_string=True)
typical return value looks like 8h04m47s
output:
4h25m49s
